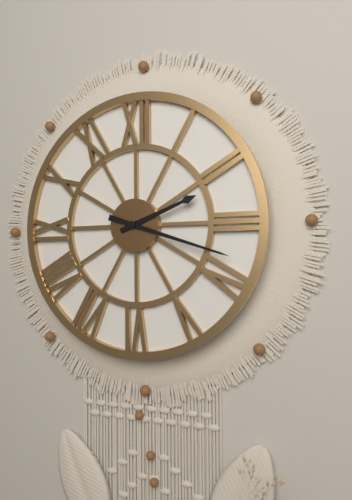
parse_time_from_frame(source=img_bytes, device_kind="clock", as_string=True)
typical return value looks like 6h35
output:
2h18
